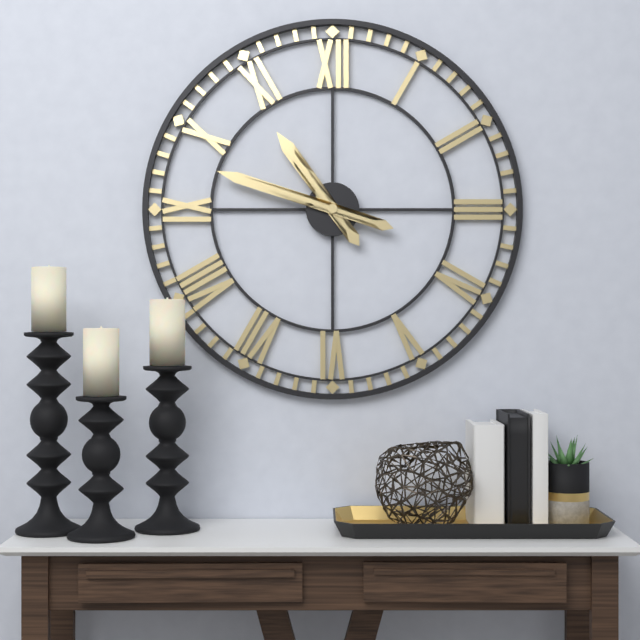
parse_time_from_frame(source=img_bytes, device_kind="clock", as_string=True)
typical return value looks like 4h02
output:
10h48
